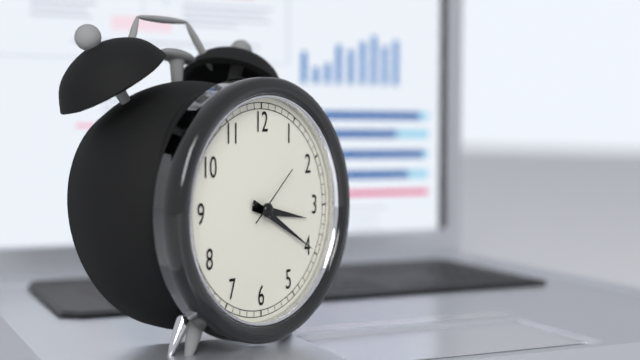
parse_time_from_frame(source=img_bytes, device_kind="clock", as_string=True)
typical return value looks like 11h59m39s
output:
3h20m08s
